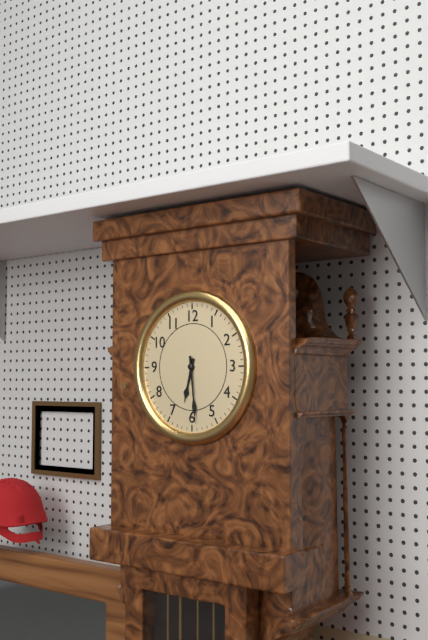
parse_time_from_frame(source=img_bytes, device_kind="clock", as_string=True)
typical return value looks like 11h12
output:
6h29
